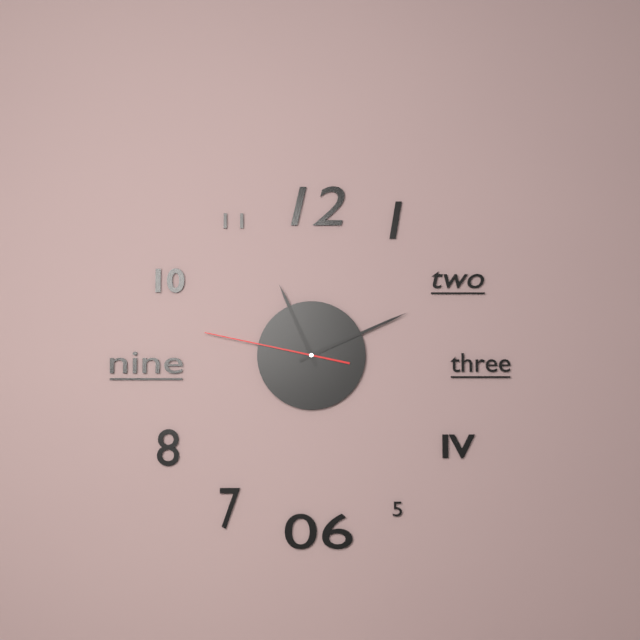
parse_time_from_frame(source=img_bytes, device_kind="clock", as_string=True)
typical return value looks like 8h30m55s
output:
11h11m47s
